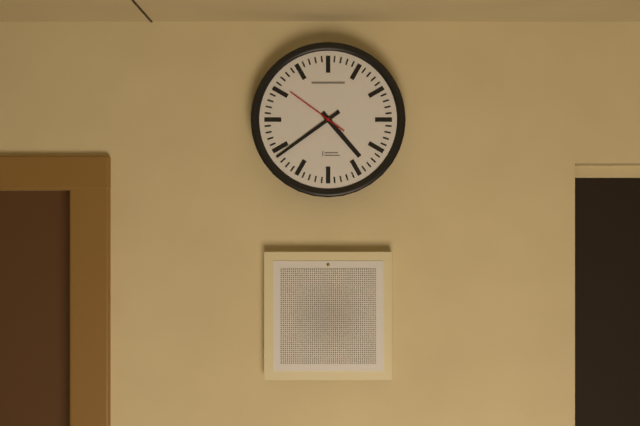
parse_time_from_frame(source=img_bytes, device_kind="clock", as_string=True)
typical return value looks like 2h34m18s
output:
4h39m51s
